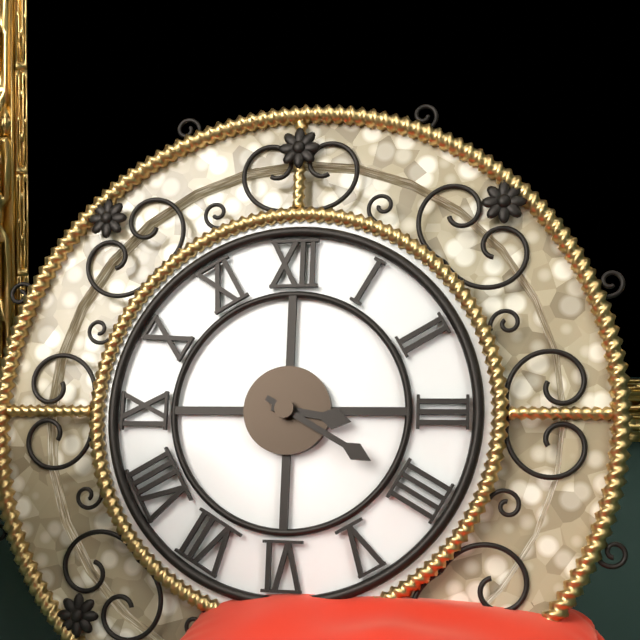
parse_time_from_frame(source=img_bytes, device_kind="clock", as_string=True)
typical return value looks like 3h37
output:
3h20
